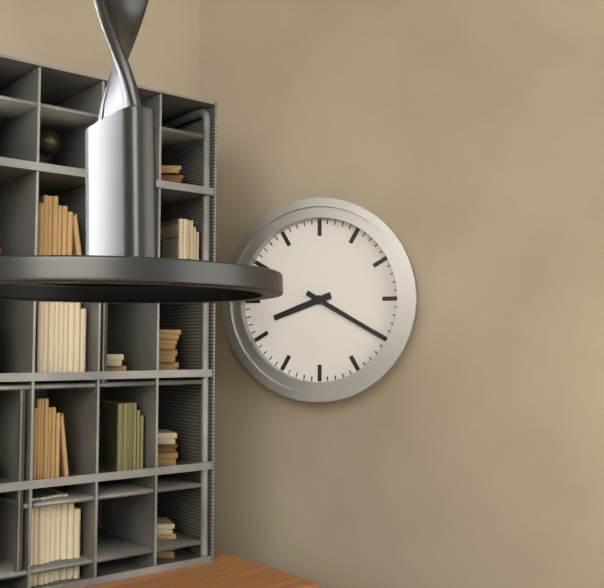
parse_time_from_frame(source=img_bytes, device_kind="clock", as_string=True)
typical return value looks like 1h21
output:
8h20
